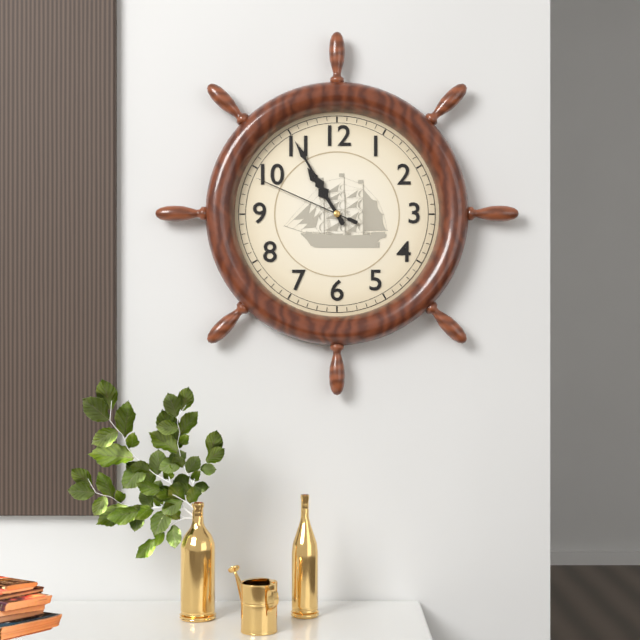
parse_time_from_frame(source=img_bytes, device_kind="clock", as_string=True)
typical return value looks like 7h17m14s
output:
10h55m49s
